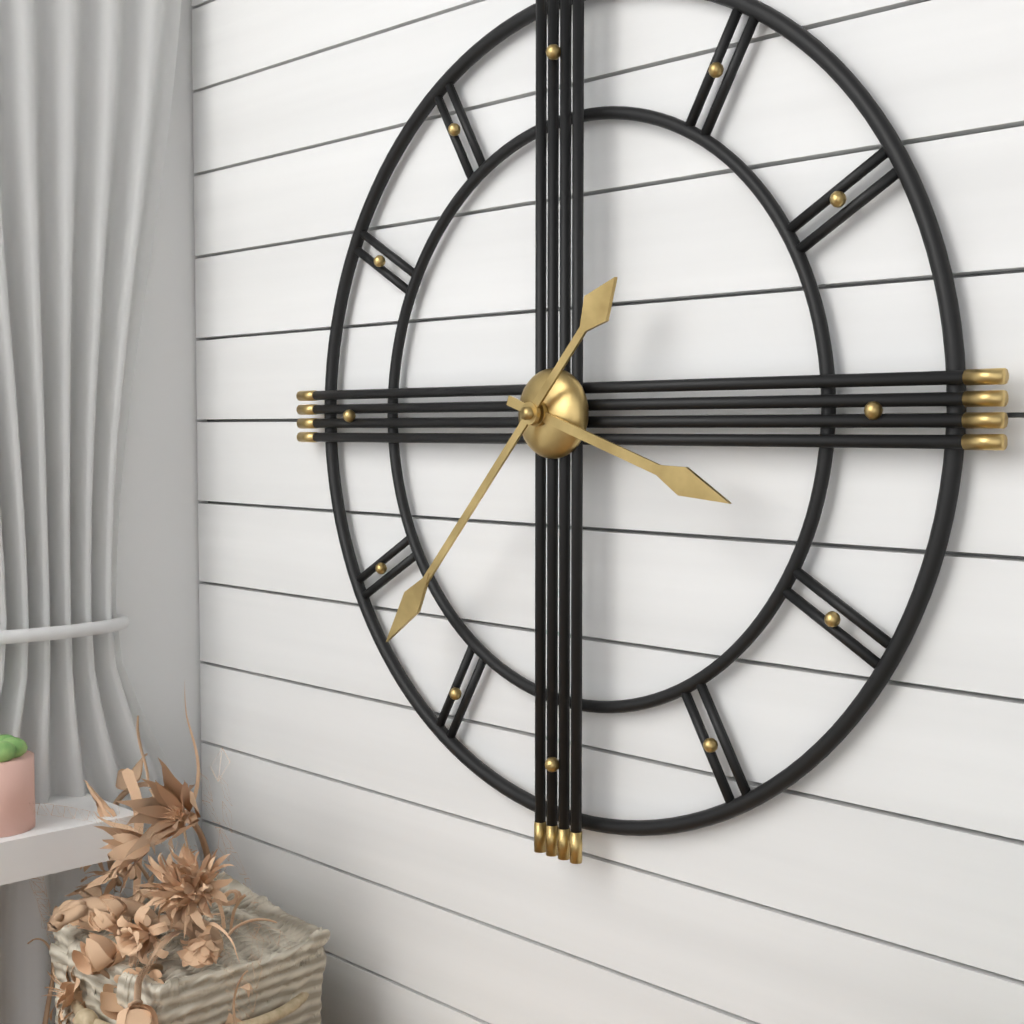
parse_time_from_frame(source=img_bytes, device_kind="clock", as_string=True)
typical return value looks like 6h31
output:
3h37
